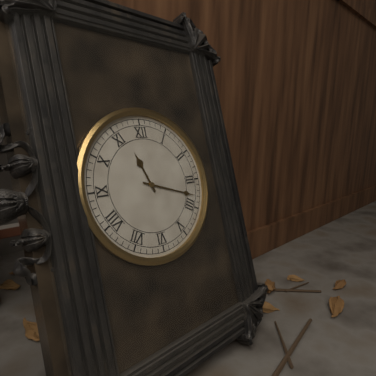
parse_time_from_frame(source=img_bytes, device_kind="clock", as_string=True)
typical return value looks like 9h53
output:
11h18
